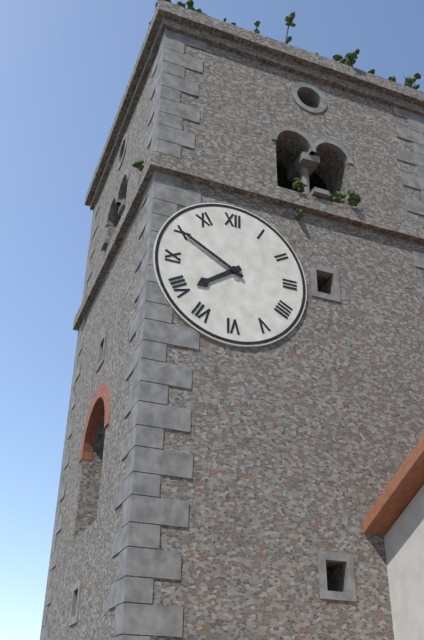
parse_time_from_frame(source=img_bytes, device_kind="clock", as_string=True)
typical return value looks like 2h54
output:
7h50
